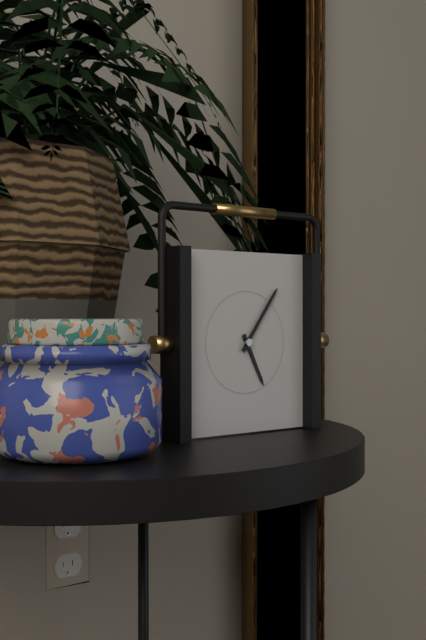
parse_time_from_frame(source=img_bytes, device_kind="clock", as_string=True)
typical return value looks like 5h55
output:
5h06
